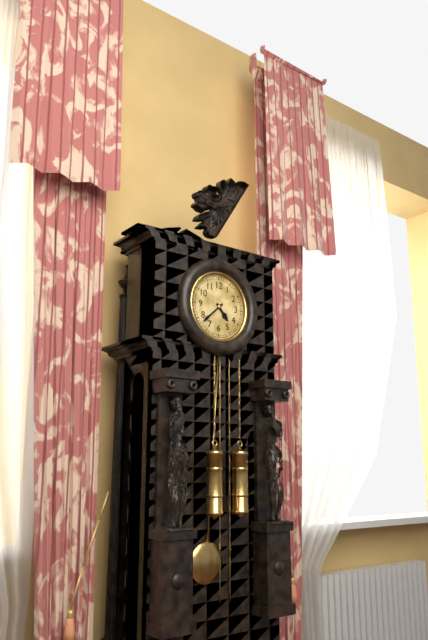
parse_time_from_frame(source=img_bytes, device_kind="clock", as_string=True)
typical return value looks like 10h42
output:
4h38
